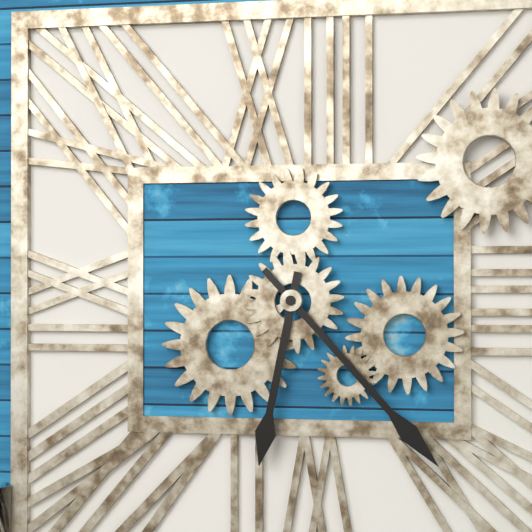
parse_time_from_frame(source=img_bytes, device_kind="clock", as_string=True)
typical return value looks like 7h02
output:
6h23
